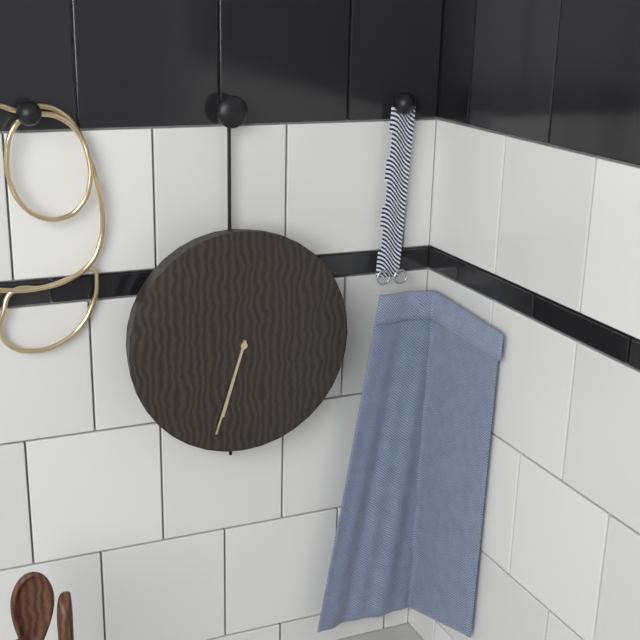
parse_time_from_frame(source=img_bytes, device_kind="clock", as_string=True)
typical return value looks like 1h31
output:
6h33
